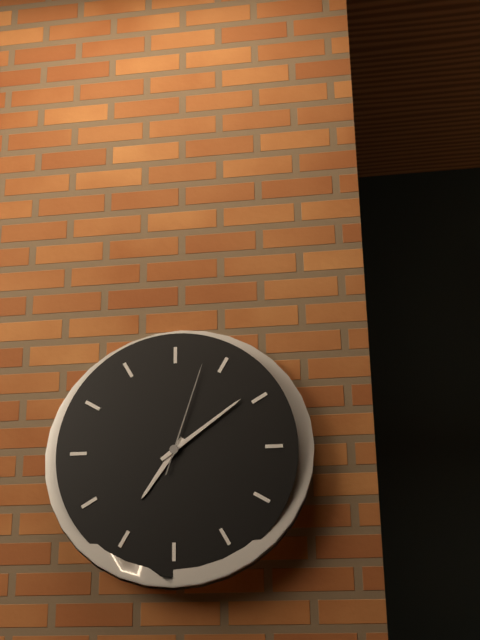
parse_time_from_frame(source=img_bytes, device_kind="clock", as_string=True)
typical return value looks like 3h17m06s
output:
7h09m03s
